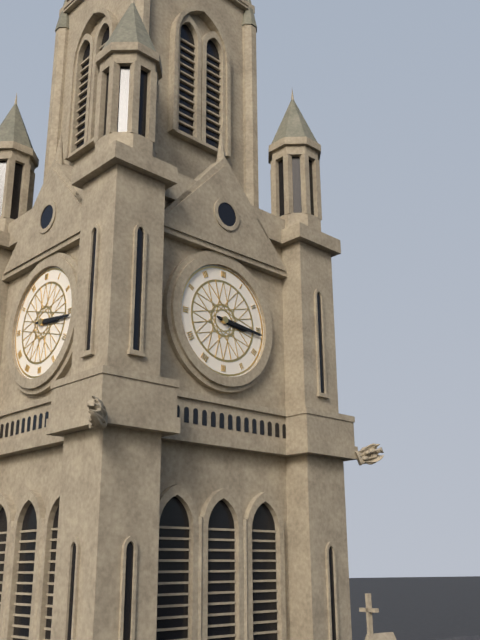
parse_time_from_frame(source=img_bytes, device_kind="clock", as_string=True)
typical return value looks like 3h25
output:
3h16
